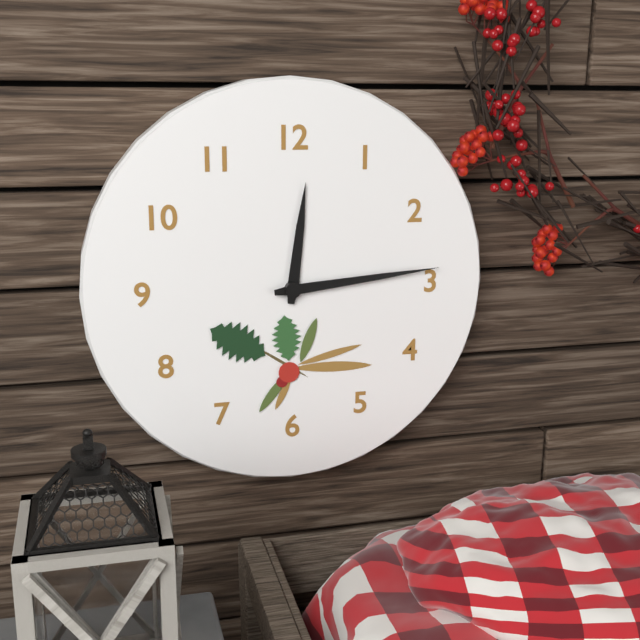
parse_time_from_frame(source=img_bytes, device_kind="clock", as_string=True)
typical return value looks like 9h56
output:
12h14
